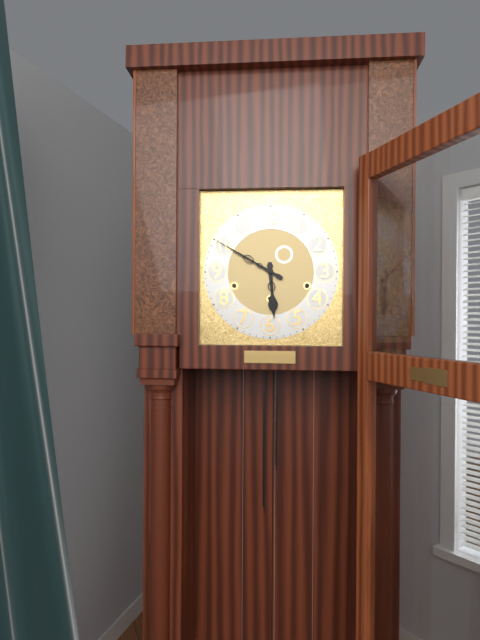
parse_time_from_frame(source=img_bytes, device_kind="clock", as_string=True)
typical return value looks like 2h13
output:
5h50
